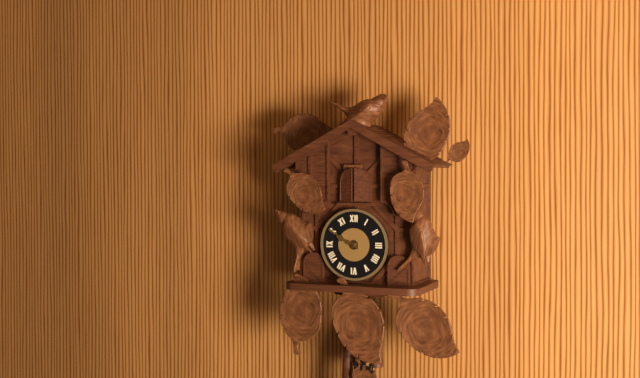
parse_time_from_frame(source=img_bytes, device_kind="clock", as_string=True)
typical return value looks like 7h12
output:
9h50
